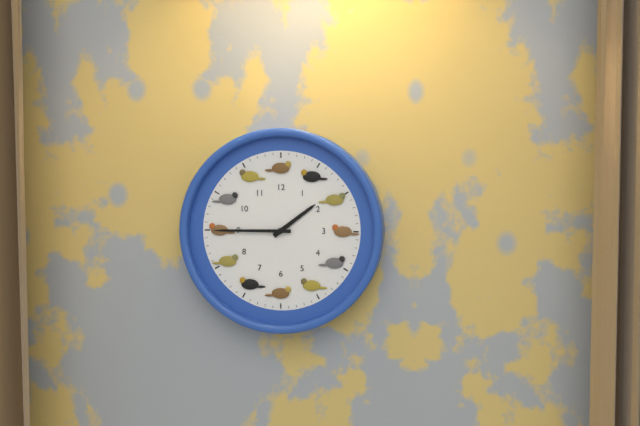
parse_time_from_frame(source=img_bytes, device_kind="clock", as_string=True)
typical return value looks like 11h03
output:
1h45
